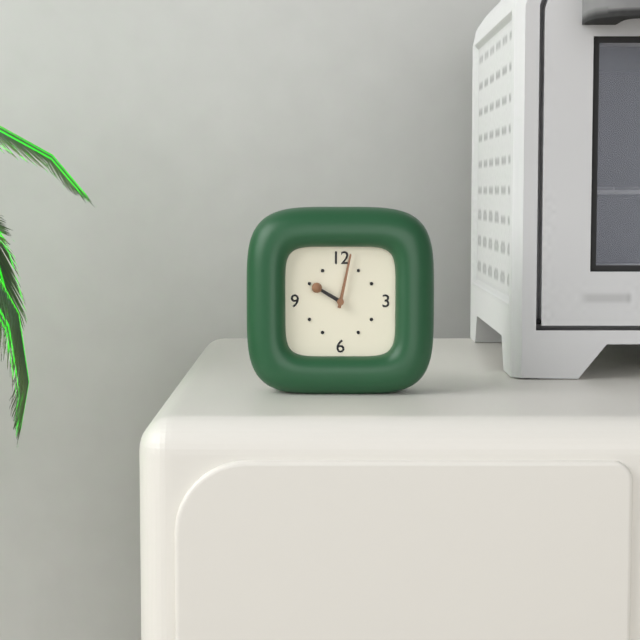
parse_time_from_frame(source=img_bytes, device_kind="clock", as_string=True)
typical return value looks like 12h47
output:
10h02
